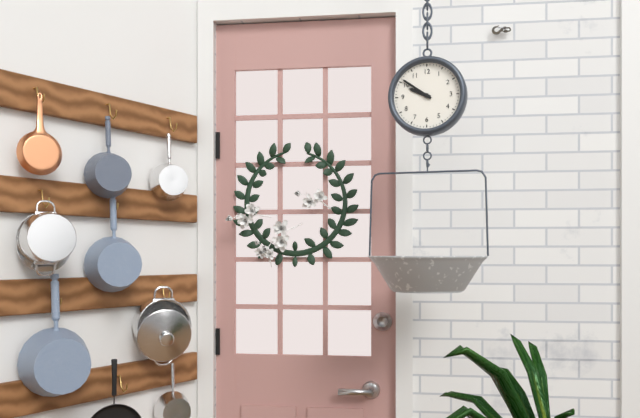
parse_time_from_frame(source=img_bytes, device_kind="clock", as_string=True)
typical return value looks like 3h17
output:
9h51
